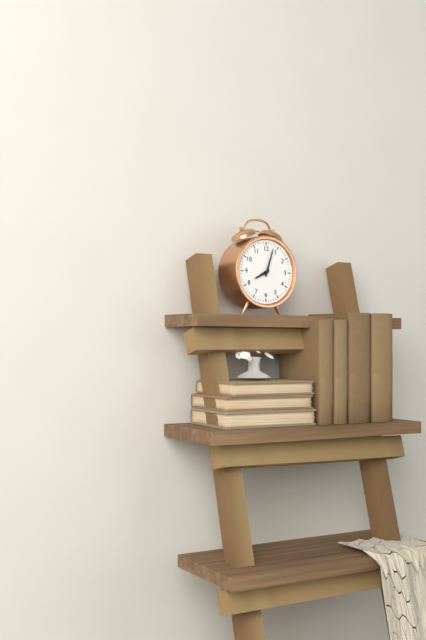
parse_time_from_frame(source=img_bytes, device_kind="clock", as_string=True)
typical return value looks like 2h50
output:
8h03
